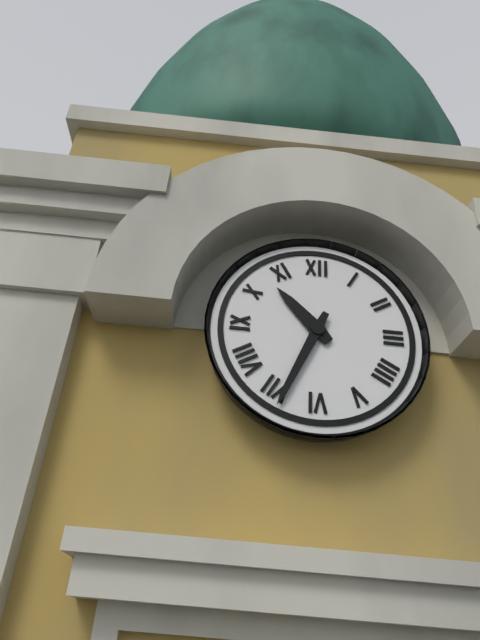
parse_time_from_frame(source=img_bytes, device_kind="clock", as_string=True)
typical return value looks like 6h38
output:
10h34
